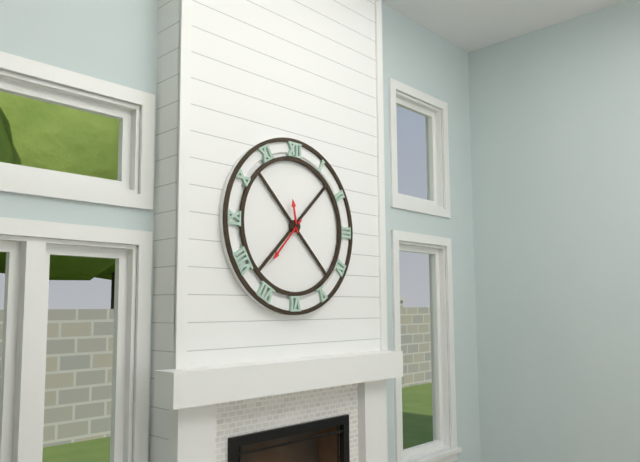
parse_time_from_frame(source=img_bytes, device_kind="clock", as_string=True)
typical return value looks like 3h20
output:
11h37
